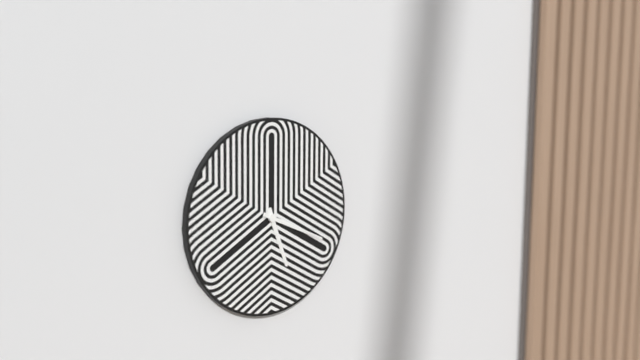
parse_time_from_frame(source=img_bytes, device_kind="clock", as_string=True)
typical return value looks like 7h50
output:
5h19
